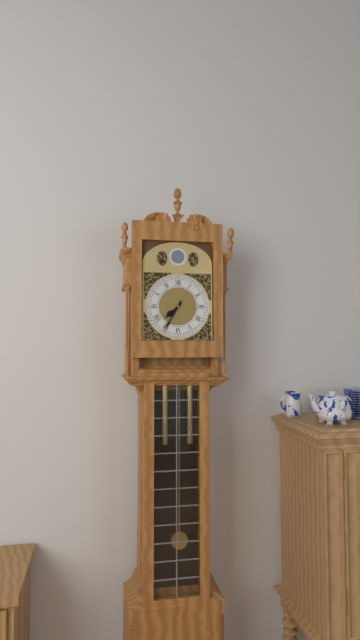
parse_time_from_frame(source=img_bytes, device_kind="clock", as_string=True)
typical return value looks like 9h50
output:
7h35
